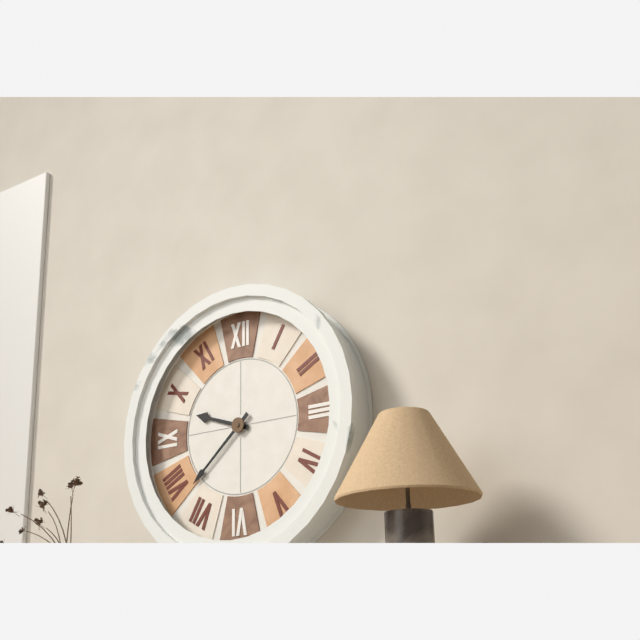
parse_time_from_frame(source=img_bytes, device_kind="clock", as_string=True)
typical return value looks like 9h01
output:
9h38
